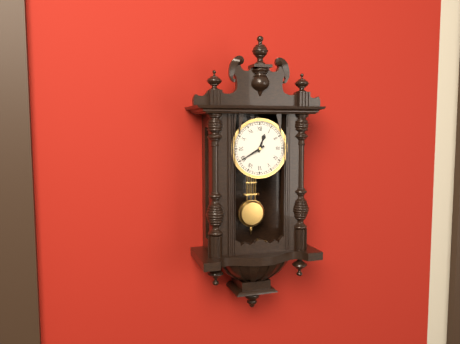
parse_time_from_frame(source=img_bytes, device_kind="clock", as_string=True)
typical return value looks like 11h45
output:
12h40
